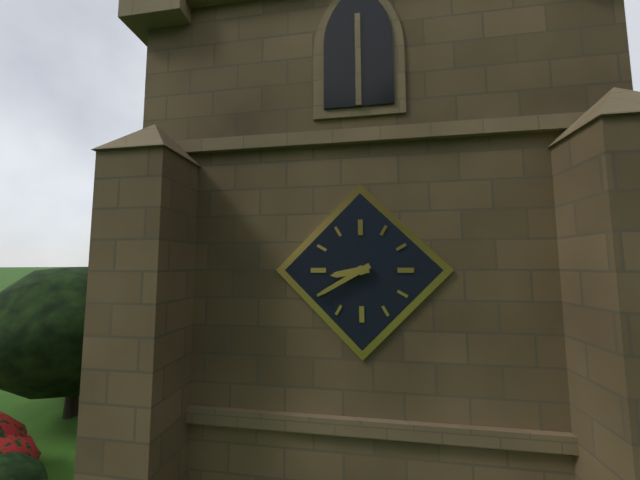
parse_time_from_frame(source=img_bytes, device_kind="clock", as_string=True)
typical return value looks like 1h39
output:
8h40
